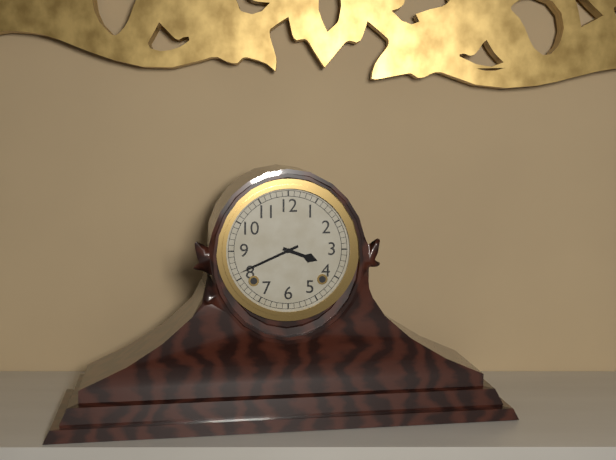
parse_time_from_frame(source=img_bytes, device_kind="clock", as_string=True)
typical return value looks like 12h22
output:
3h41
